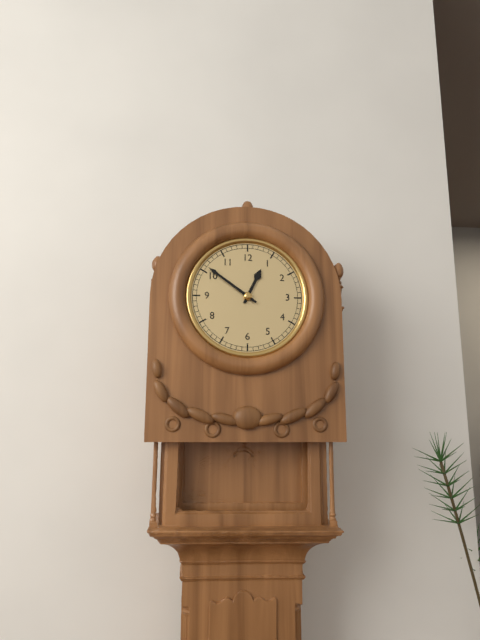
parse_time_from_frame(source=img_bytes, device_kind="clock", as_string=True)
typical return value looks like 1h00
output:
12h51
